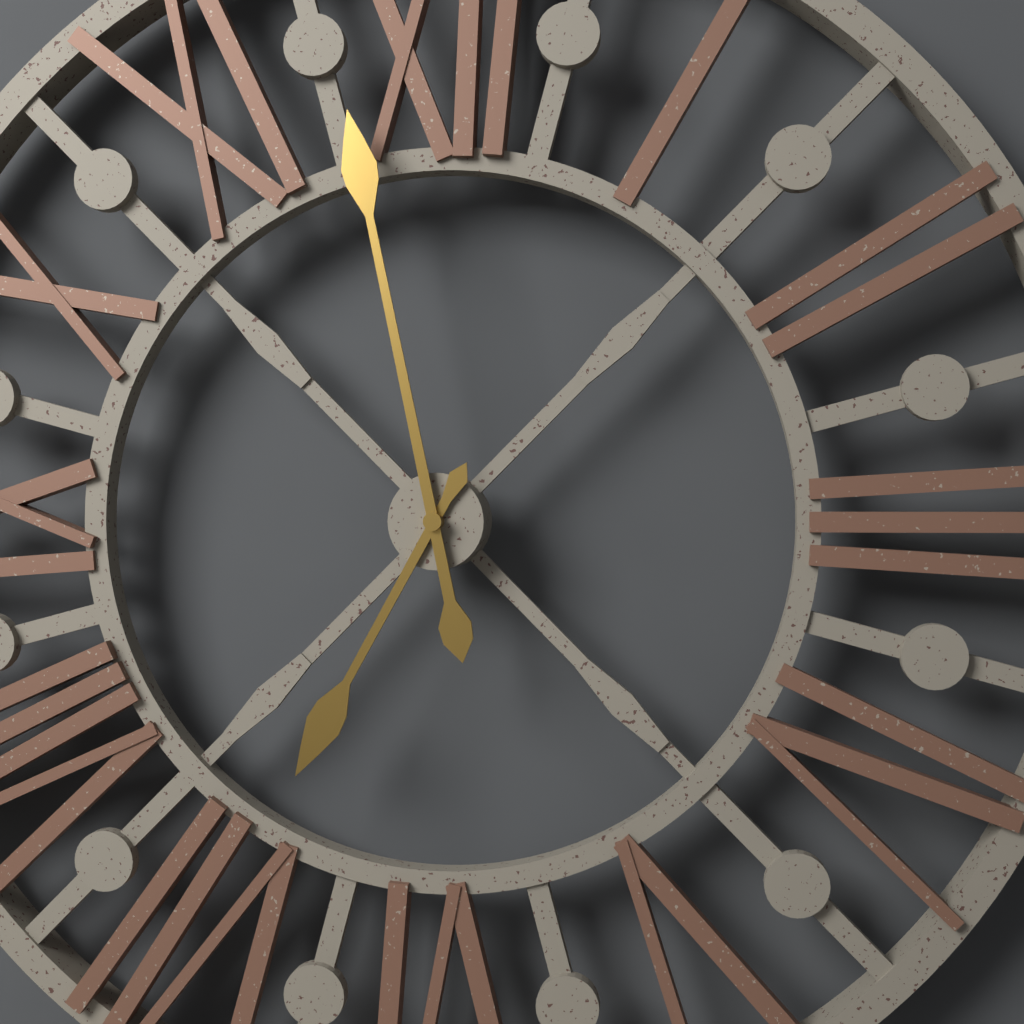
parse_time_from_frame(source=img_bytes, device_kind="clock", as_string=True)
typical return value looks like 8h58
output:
6h58
